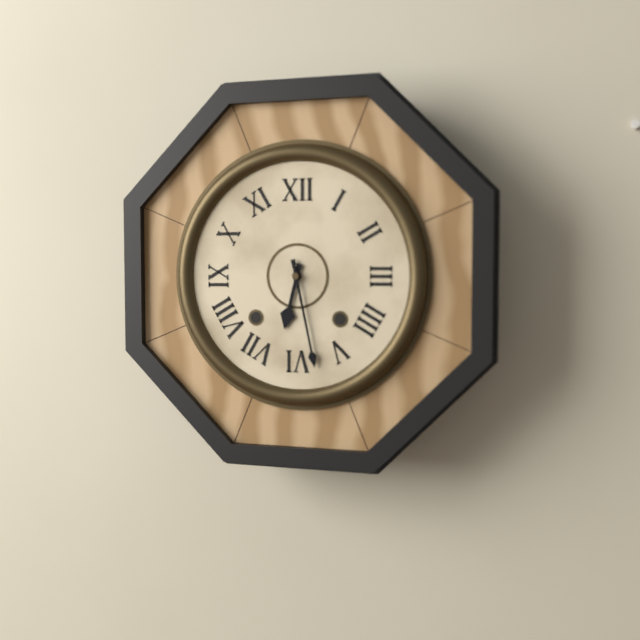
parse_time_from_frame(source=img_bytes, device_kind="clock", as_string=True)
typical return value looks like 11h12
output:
6h28
